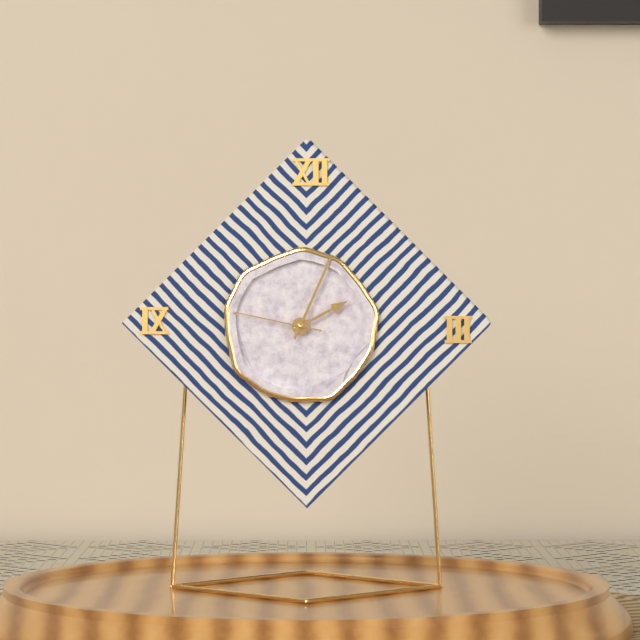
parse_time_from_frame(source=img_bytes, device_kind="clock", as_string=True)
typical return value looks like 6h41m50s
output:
2h04m47s
